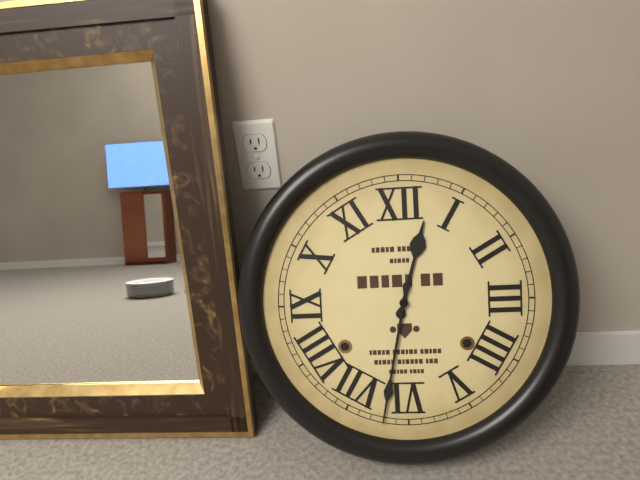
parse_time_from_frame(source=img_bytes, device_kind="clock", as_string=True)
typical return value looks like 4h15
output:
12h32
